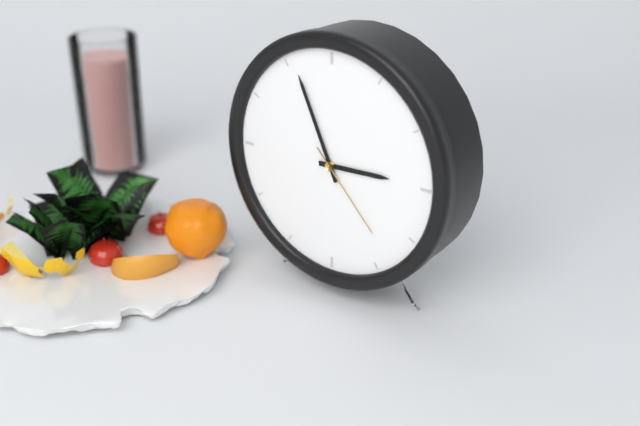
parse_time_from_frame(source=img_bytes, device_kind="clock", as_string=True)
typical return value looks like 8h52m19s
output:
2h56m23s
